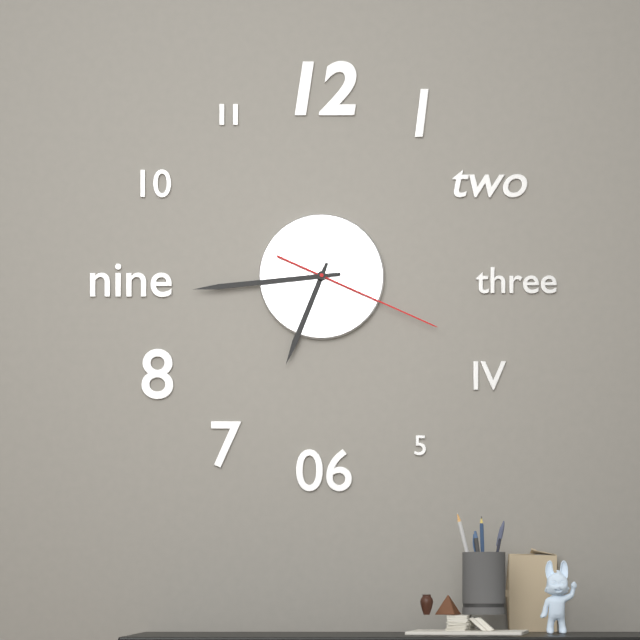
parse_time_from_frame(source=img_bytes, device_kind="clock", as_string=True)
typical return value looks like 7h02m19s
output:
6h44m19s
